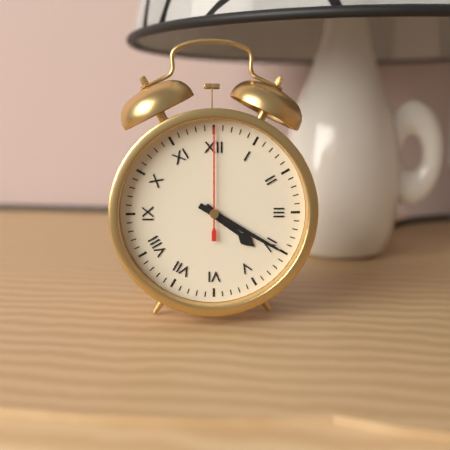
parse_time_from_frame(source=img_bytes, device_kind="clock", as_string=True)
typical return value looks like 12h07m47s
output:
4h20m00s
